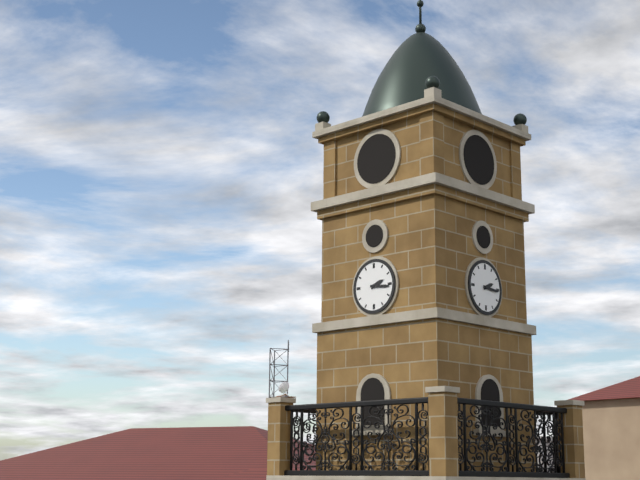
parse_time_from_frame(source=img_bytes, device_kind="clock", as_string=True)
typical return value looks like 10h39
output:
2h16
